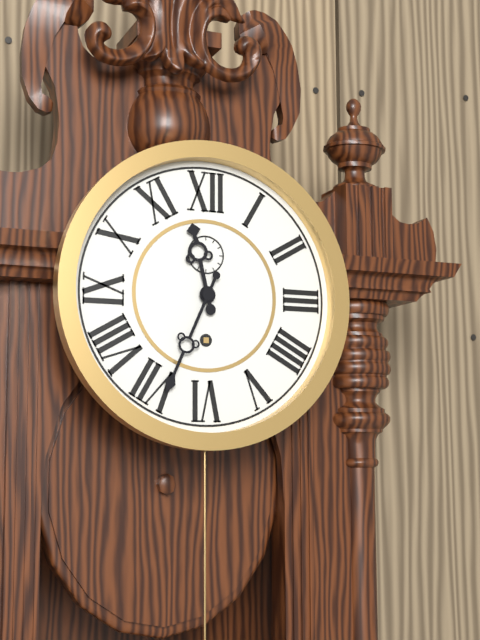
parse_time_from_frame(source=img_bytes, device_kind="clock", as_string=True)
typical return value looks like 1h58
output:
11h34
